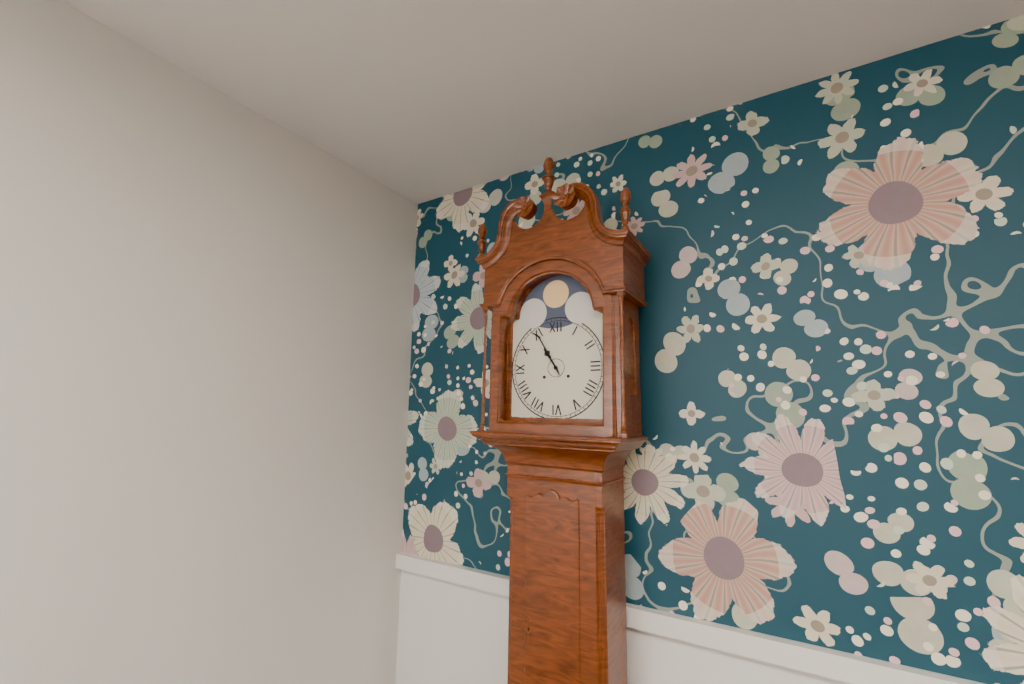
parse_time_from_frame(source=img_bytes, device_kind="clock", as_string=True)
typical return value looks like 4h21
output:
10h55
